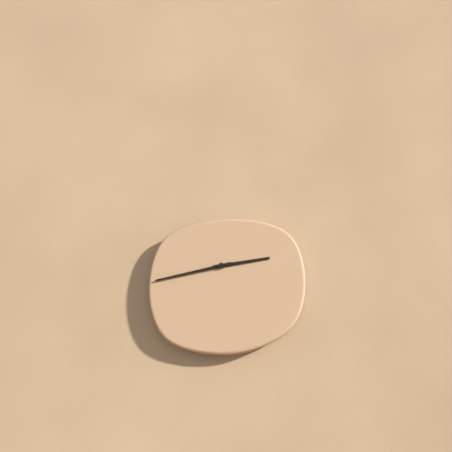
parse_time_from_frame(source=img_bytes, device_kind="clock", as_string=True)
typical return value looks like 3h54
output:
2h43
